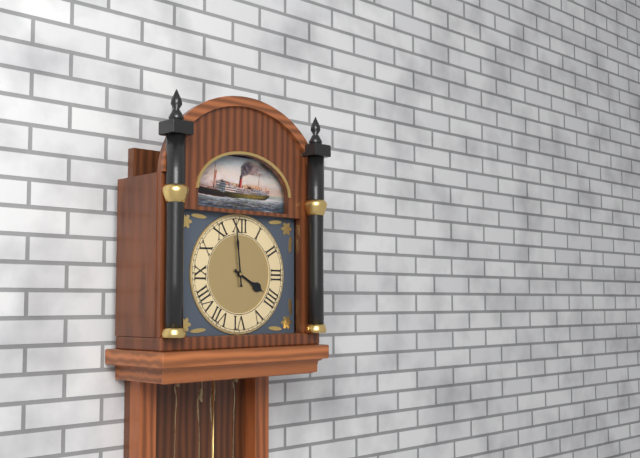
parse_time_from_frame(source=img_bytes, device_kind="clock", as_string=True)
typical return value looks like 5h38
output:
3h59
